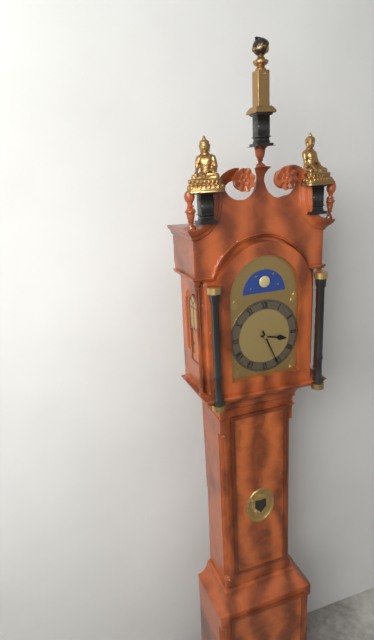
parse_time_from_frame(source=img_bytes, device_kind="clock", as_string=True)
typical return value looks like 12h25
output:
3h26
